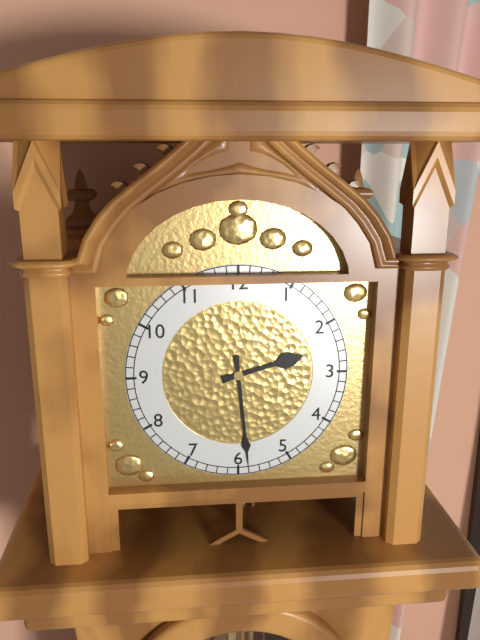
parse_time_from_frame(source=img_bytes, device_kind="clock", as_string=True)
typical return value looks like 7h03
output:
2h29
